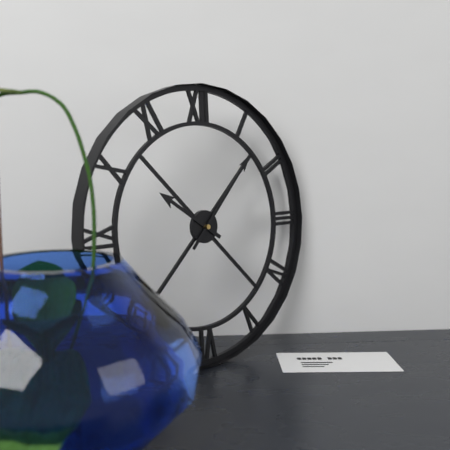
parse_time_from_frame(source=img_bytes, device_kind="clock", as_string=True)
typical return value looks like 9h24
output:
10h07
